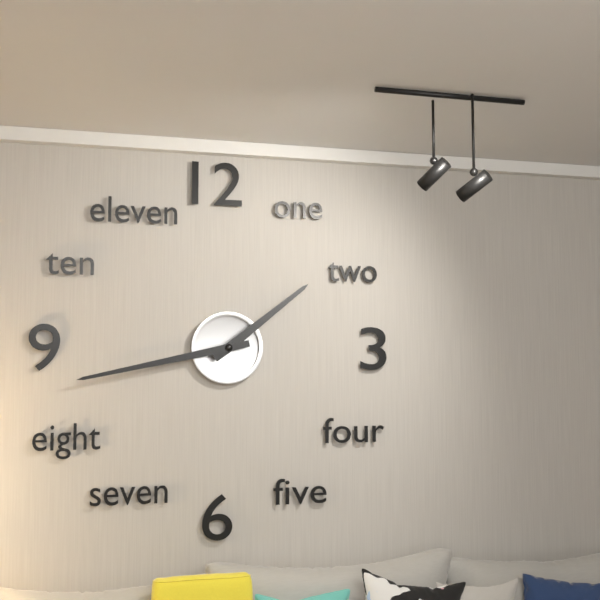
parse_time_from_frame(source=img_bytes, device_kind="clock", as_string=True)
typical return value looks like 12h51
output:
1h43
